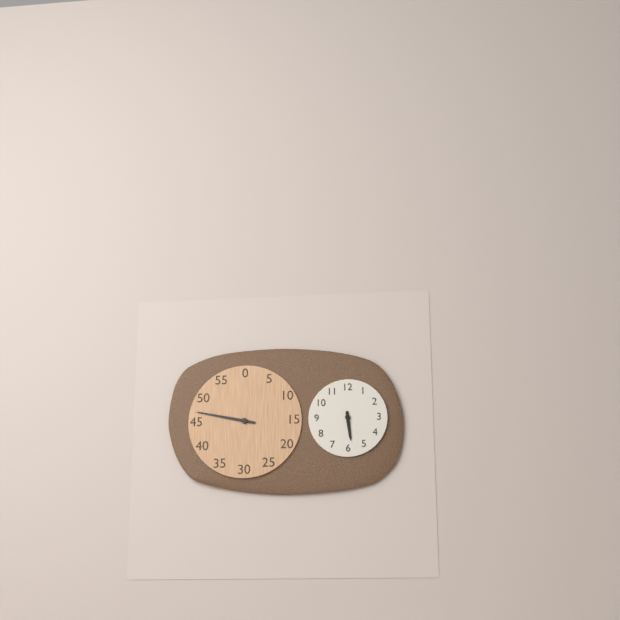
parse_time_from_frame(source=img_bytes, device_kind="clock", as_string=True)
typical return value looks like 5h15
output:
5h47
